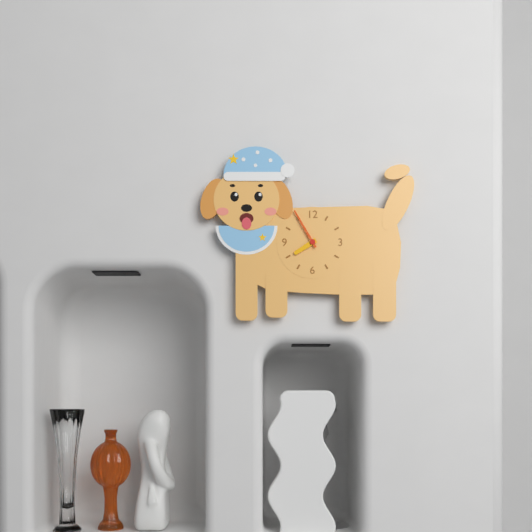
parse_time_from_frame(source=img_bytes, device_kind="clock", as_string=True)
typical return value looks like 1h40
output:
7h55
